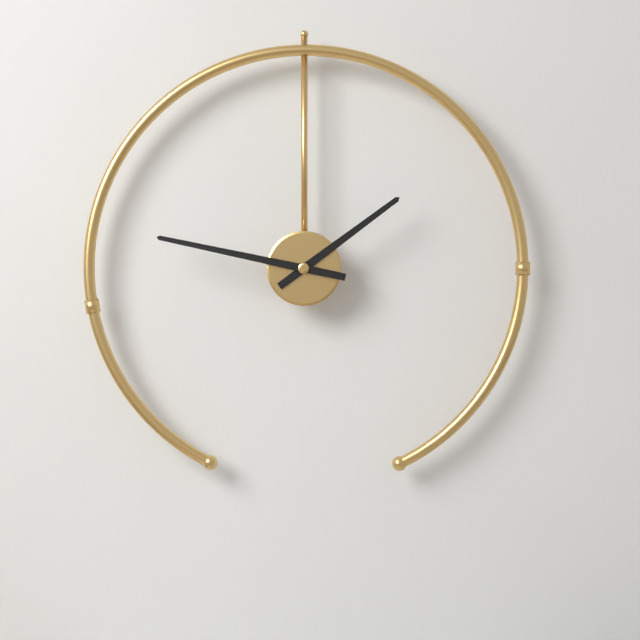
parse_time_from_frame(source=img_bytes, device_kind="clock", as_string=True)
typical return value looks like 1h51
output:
1h47
